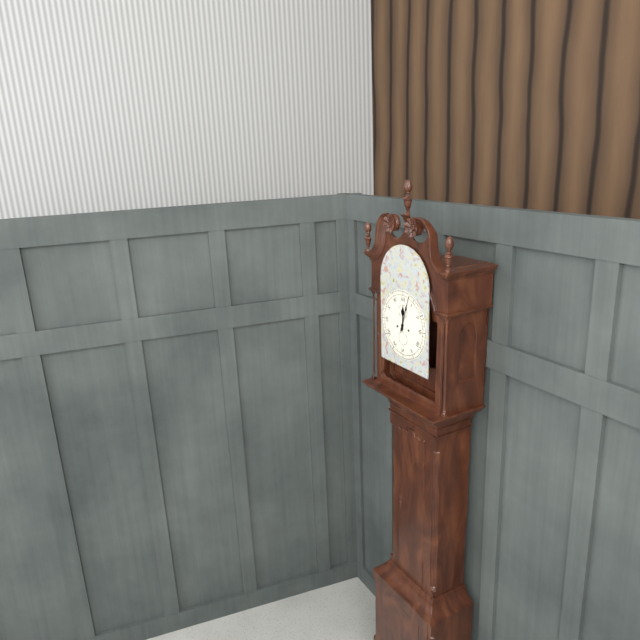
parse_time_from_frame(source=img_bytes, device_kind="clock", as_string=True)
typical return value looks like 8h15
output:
12h03
